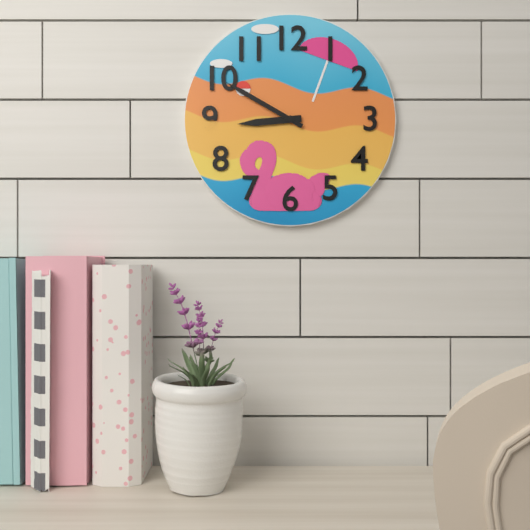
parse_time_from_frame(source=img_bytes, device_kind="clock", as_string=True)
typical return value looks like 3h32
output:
8h50
